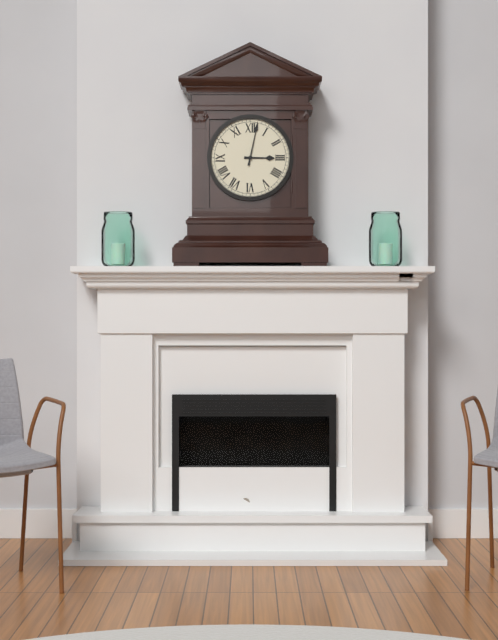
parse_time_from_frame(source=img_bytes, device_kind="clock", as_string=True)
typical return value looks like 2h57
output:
3h02
